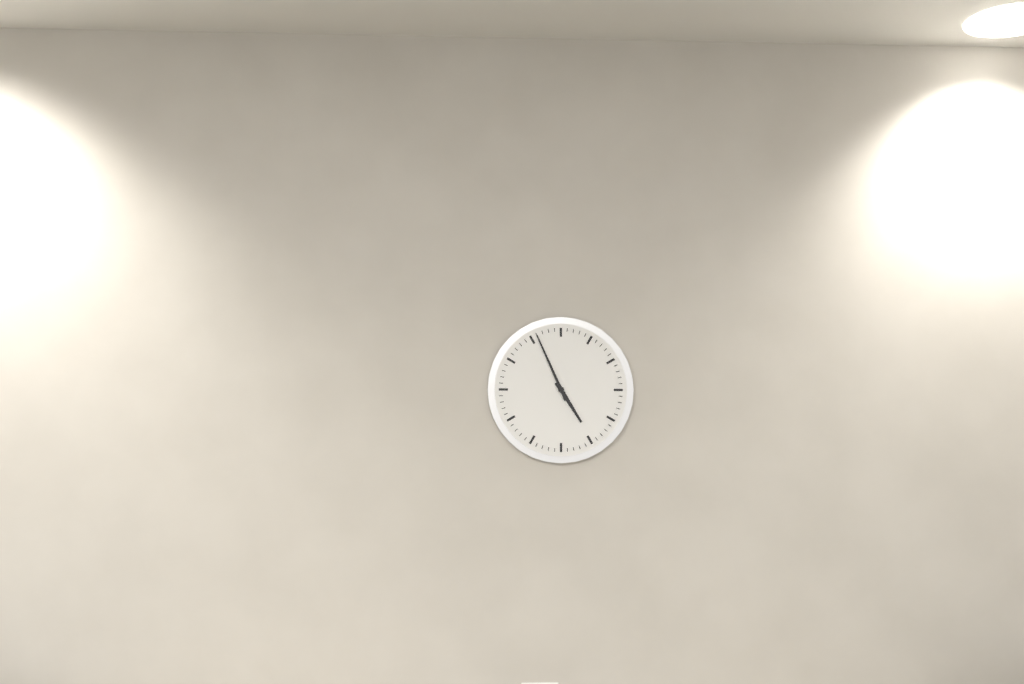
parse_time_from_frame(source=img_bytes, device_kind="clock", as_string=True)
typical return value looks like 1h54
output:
4h56
